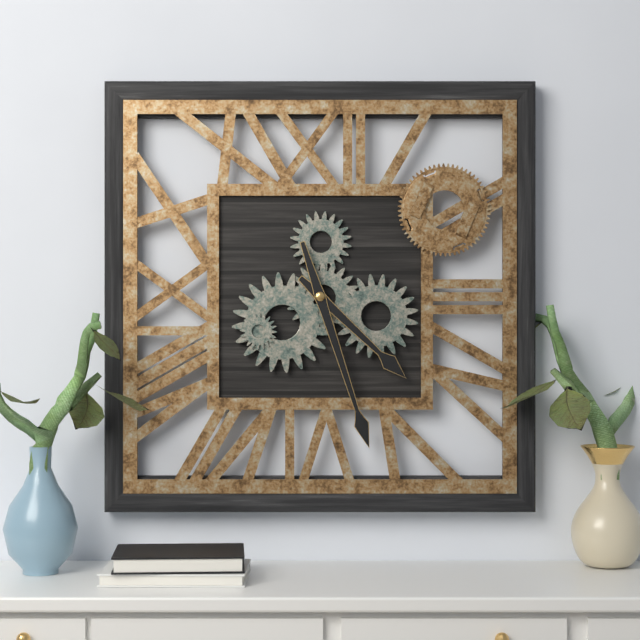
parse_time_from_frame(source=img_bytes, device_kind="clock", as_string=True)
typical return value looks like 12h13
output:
4h27
